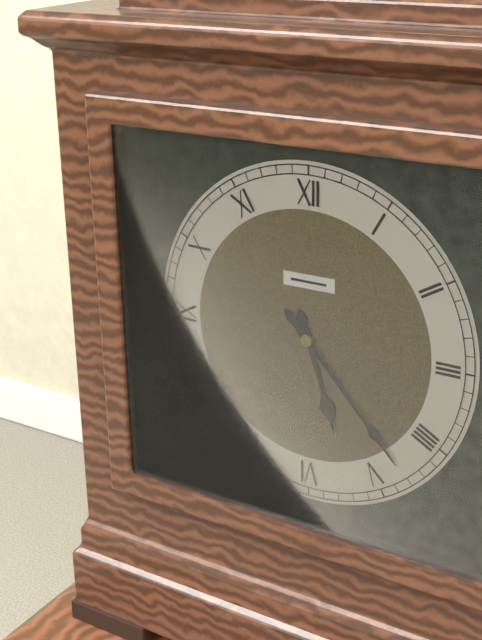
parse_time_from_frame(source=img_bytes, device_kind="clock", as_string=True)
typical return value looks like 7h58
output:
5h23
